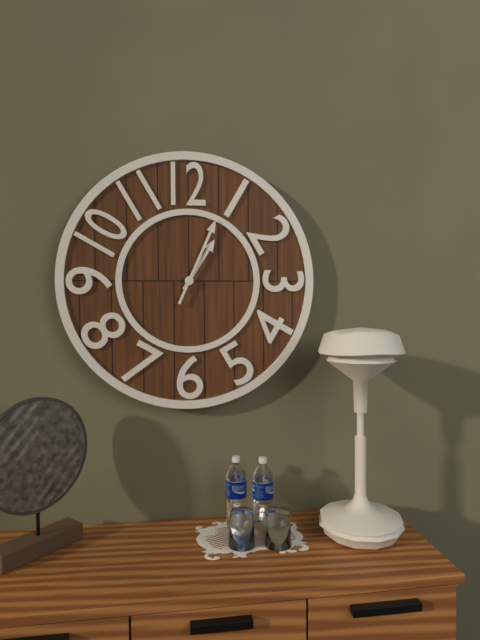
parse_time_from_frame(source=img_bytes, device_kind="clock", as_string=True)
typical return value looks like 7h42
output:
1h04
